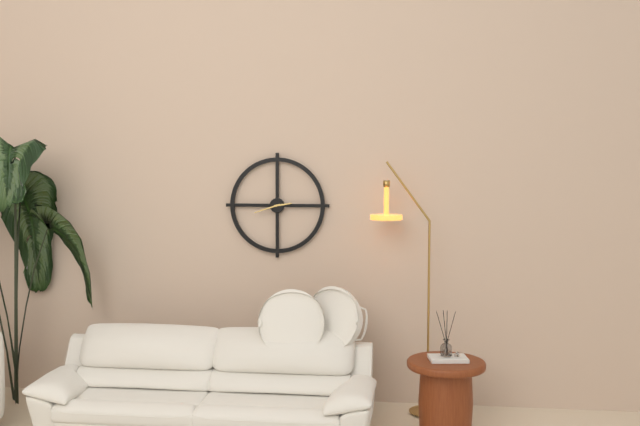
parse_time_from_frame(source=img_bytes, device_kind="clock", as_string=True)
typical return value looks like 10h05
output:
2h42
